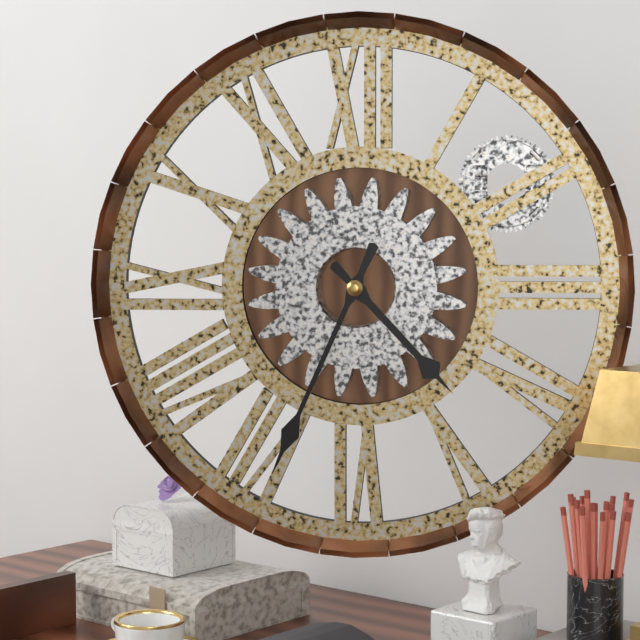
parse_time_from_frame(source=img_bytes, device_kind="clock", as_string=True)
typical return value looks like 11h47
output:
4h34
